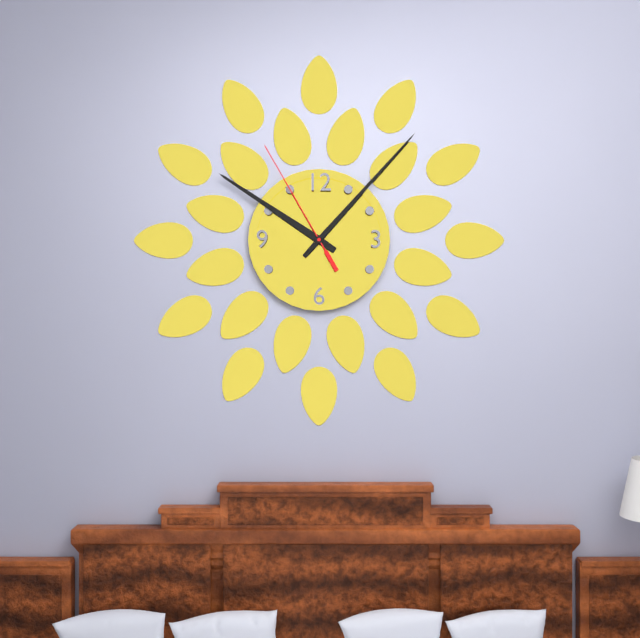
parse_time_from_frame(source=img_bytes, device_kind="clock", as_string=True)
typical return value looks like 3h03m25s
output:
10h07m55s
